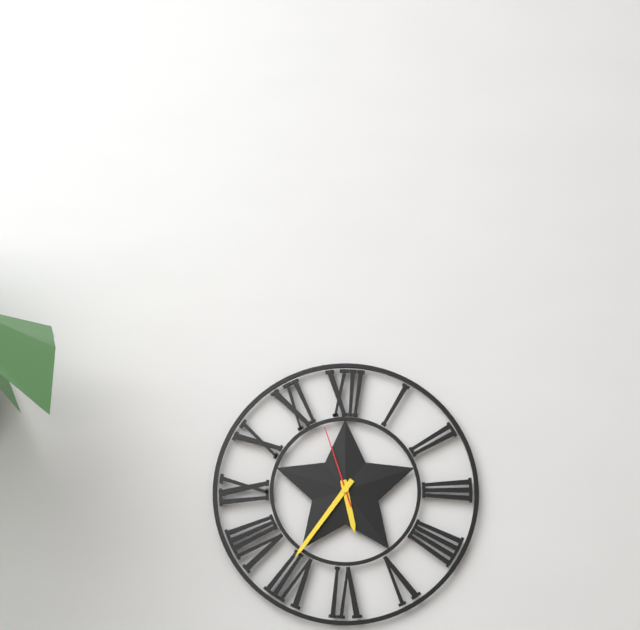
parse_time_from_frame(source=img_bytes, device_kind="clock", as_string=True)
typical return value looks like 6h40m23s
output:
5h36m57s
